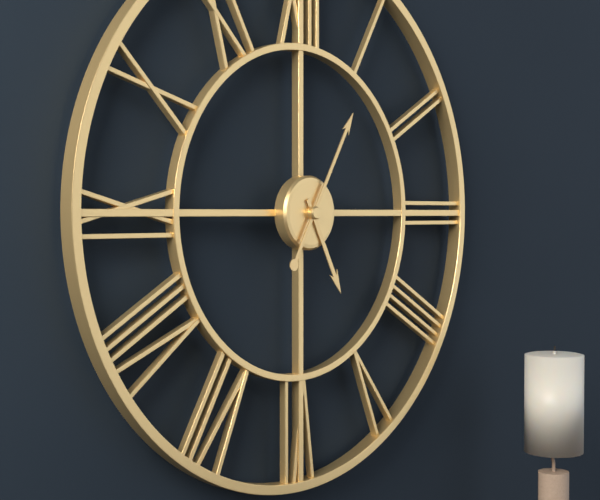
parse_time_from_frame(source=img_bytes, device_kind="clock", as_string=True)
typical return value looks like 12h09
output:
5h05
